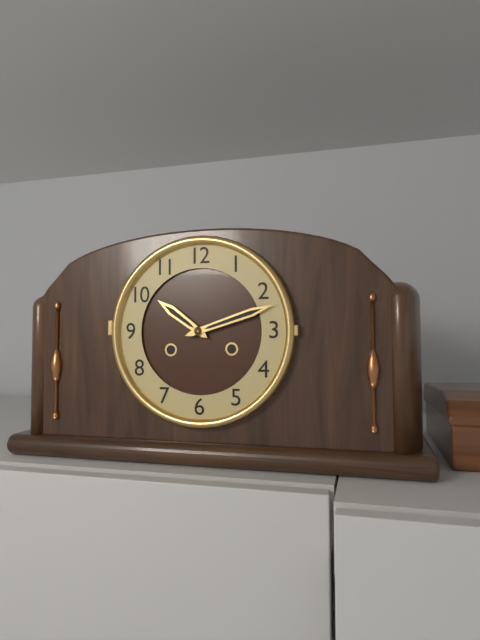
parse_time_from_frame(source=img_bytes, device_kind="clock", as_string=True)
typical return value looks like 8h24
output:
10h12
